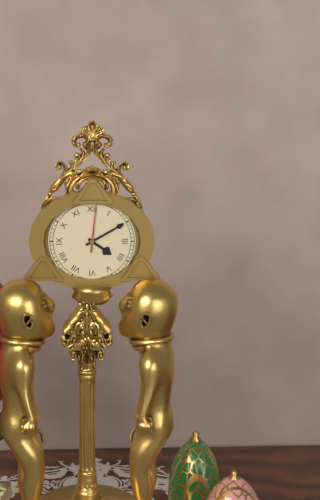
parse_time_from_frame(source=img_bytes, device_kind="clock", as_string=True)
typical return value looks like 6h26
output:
4h10
